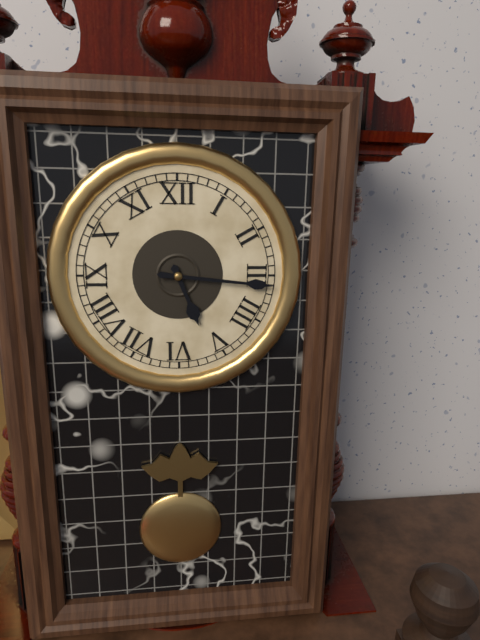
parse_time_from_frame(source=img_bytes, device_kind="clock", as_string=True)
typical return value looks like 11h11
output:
5h16
